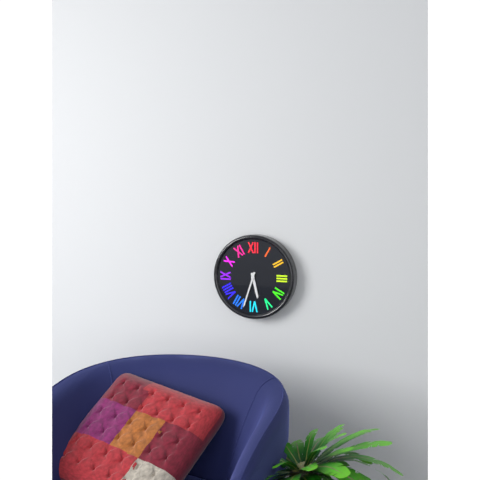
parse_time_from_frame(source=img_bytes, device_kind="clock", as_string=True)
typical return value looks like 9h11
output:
5h33
